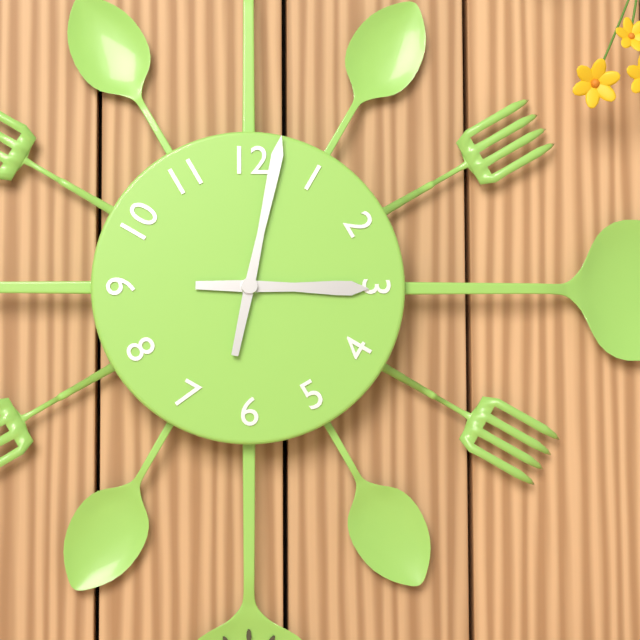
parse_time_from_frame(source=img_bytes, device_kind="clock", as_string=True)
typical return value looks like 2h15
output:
3h02
